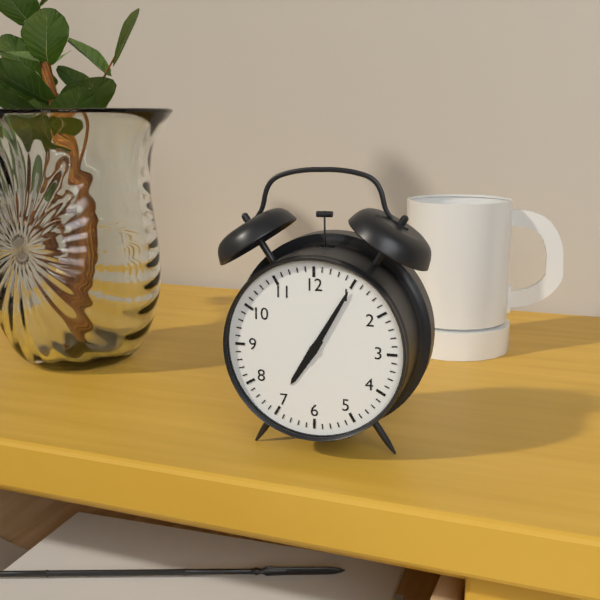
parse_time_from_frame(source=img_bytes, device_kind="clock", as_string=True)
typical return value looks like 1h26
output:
7h05
